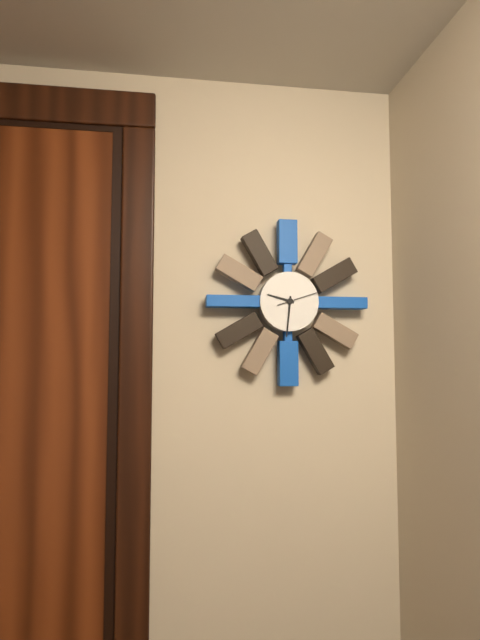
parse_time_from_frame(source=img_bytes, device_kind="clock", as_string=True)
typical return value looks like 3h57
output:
9h31
